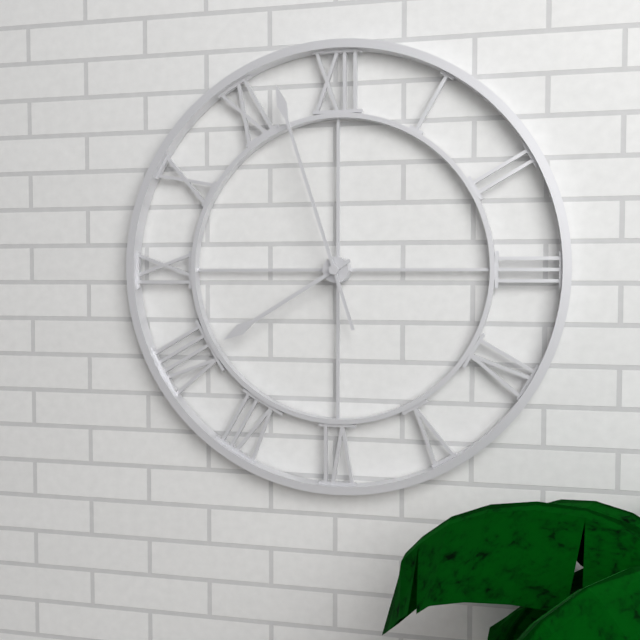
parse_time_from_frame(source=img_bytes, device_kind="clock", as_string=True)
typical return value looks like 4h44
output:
7h57
